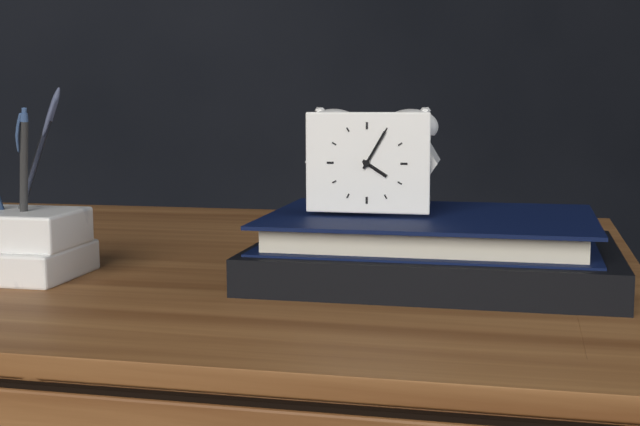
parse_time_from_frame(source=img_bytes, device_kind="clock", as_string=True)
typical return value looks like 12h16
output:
4h05
